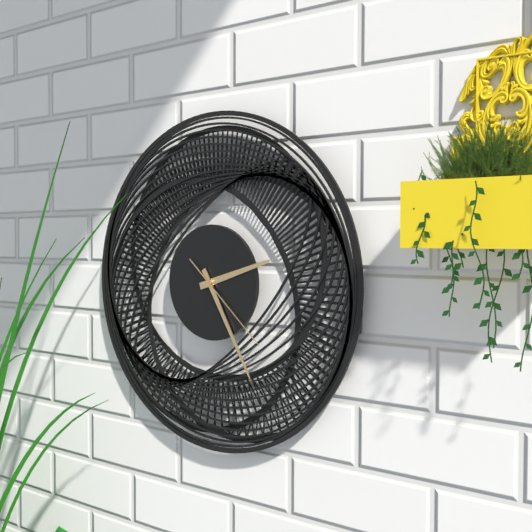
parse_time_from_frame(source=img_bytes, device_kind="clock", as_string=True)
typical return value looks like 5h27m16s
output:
2h25m22s
